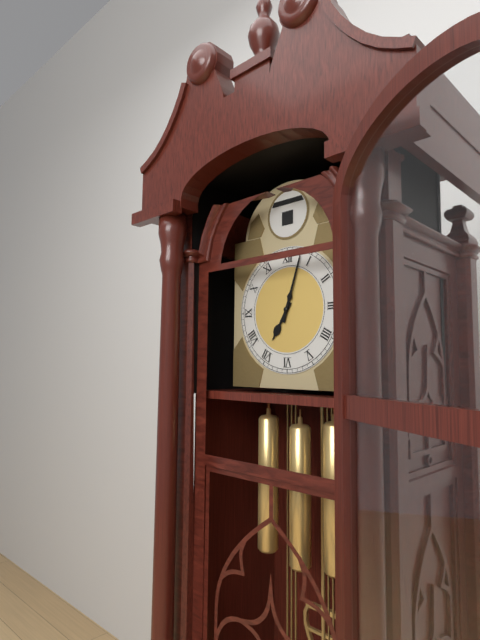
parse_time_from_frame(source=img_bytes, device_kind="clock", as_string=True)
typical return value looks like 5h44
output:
7h03
